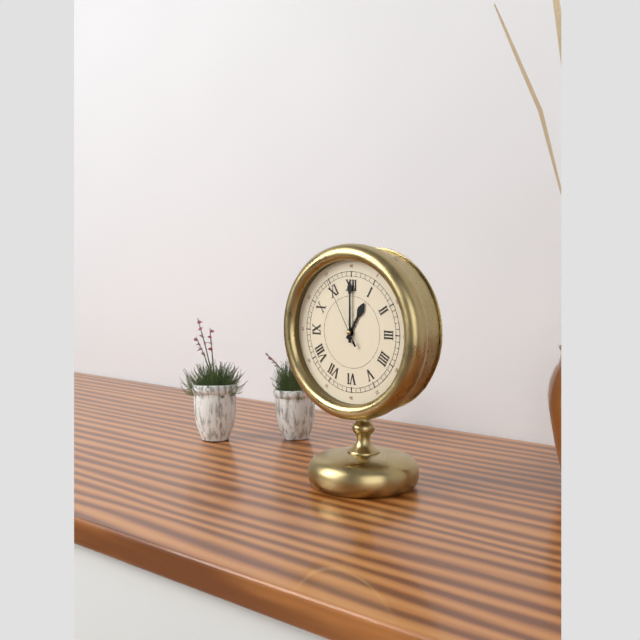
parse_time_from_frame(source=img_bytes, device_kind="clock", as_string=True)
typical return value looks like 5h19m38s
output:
1h00m55s
